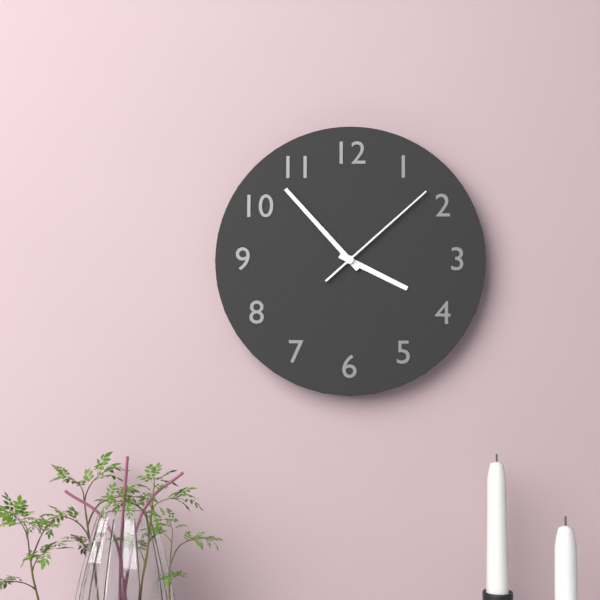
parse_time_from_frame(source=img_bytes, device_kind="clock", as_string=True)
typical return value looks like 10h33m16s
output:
3h53m08s
